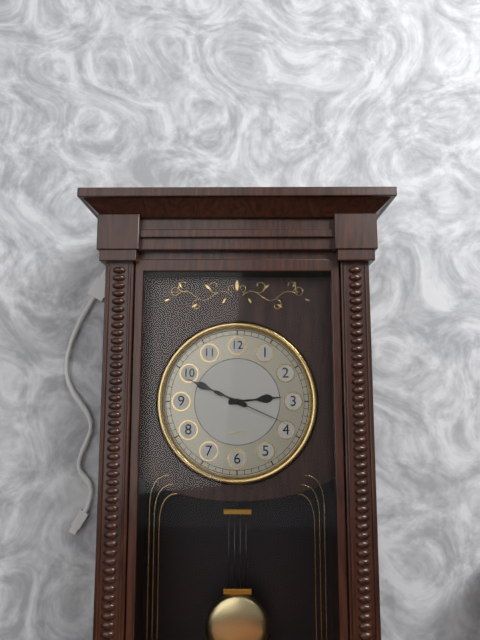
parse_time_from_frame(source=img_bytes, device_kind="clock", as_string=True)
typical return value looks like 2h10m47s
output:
2h49m19s
